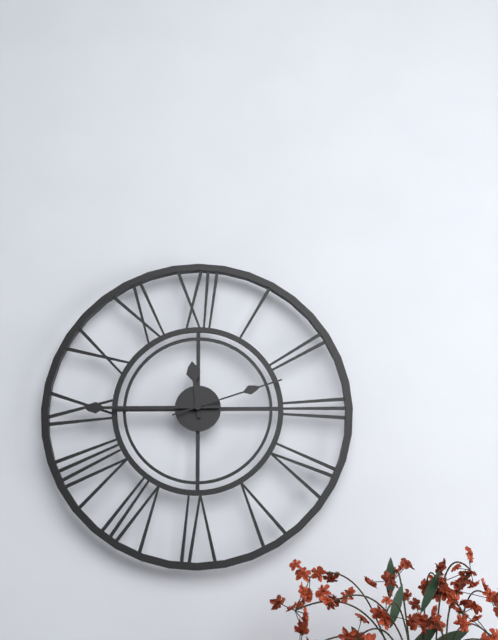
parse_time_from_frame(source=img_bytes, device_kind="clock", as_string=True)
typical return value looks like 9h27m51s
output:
11h45m12s
